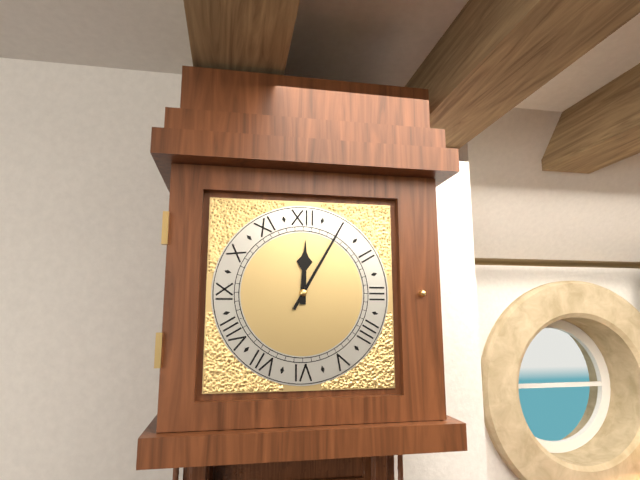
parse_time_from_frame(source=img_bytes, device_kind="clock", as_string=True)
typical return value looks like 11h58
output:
12h05
